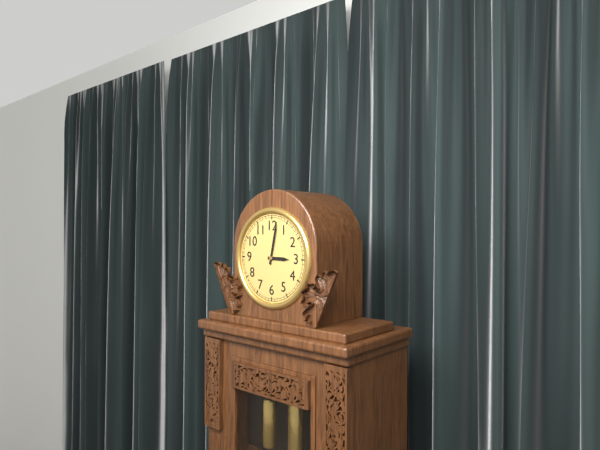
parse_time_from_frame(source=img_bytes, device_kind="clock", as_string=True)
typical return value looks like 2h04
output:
3h02
